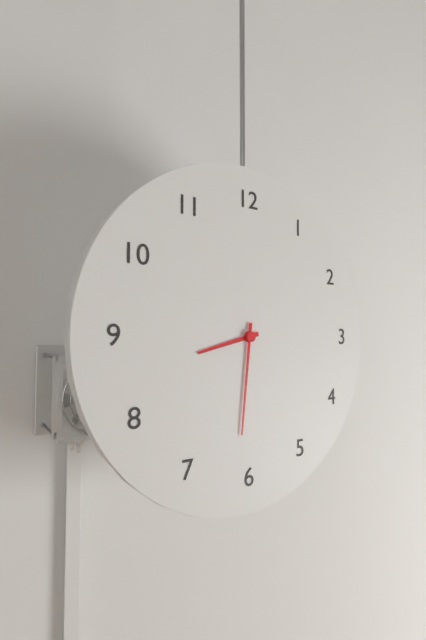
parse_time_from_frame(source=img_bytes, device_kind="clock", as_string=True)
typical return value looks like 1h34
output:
8h31
